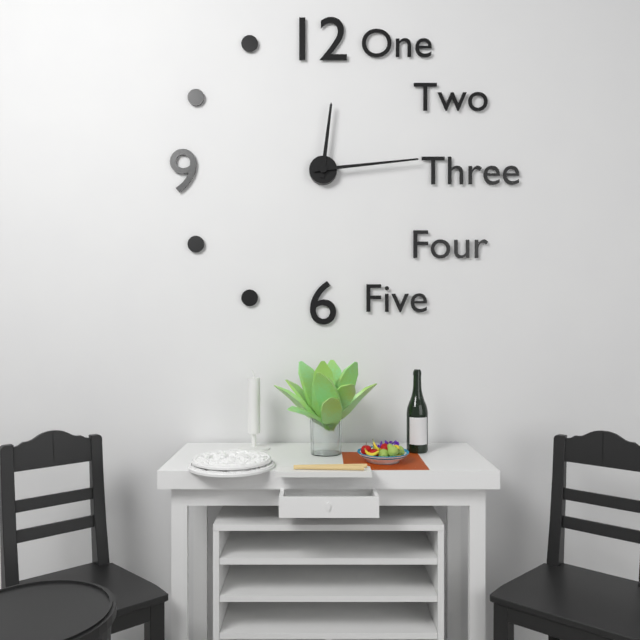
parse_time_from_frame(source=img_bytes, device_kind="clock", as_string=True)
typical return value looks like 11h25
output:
12h14
